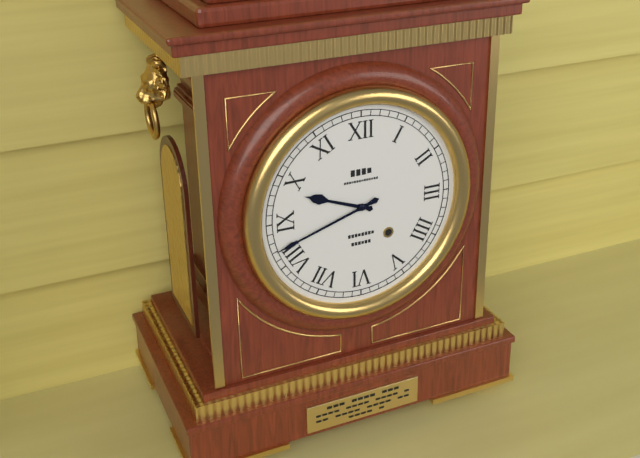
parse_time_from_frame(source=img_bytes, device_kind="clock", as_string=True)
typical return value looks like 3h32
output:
9h42
